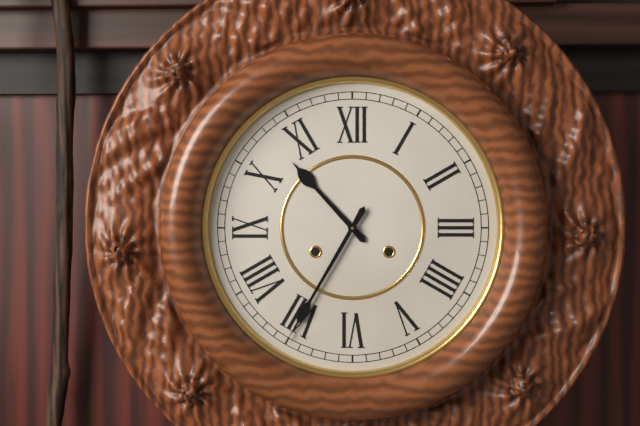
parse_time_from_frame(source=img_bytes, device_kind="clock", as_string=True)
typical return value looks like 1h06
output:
10h35
